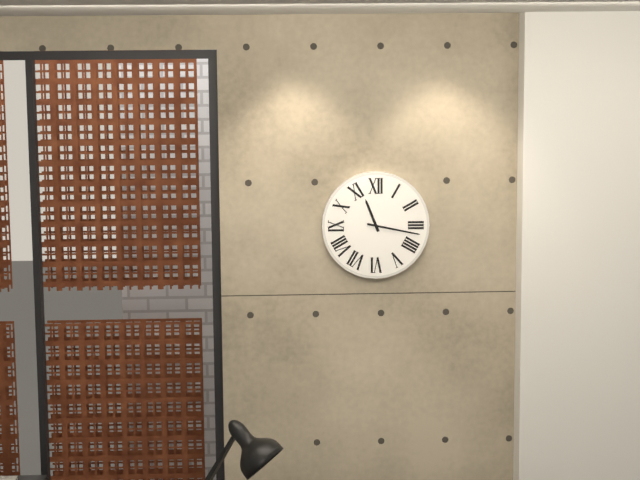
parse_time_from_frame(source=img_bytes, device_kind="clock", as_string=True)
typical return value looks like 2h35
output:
11h17
